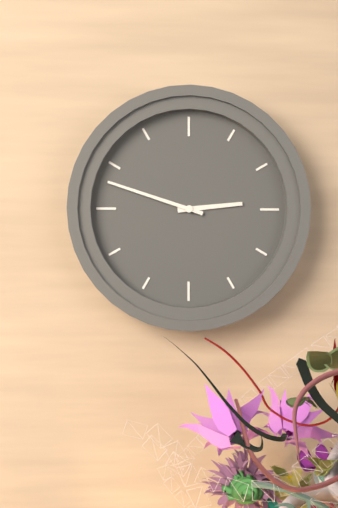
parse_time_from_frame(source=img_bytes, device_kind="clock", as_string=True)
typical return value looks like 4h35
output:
2h48
